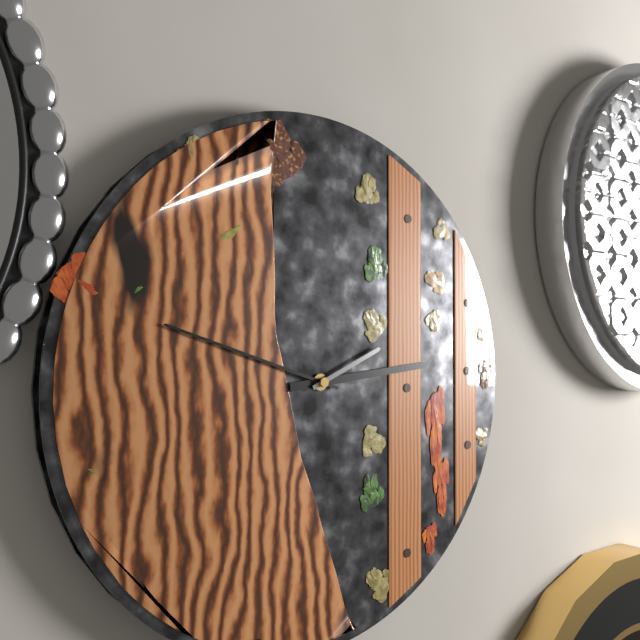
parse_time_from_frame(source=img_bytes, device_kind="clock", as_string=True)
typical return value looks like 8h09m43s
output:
2h48m11s
